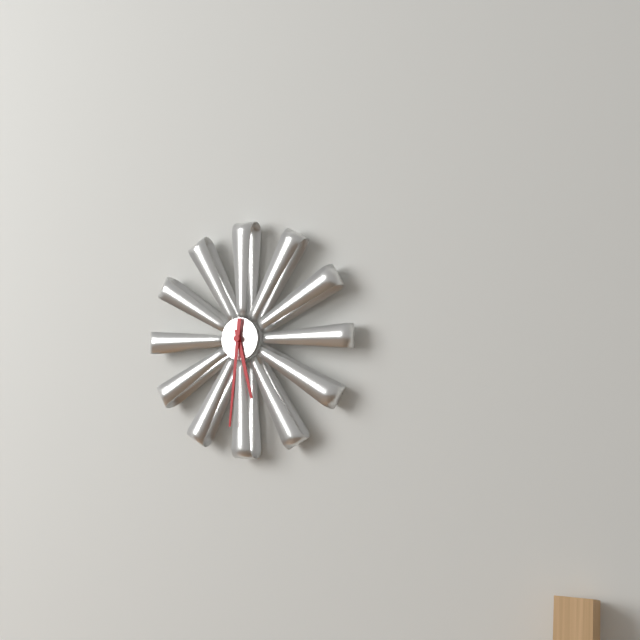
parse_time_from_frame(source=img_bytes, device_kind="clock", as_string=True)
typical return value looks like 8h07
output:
5h31
